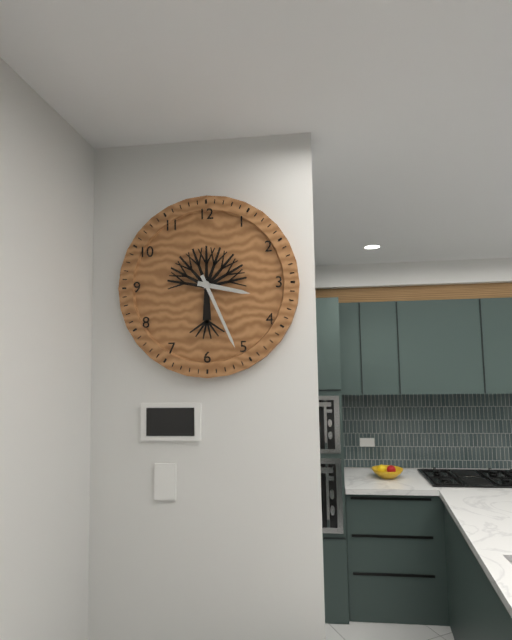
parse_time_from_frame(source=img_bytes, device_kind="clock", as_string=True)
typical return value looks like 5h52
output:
3h26
